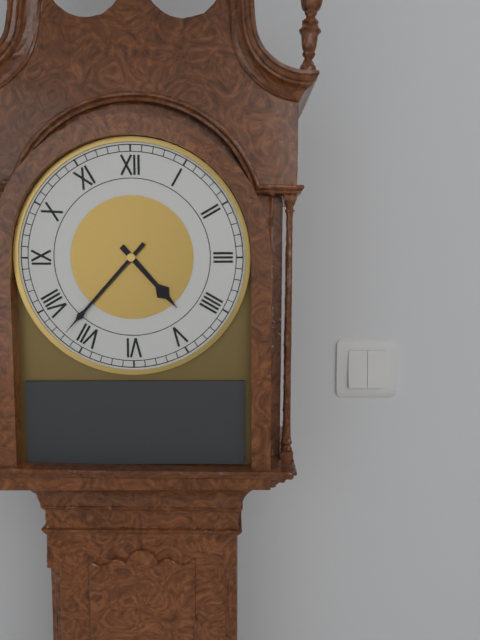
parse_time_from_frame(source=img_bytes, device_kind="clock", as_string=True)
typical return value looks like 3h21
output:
4h37
